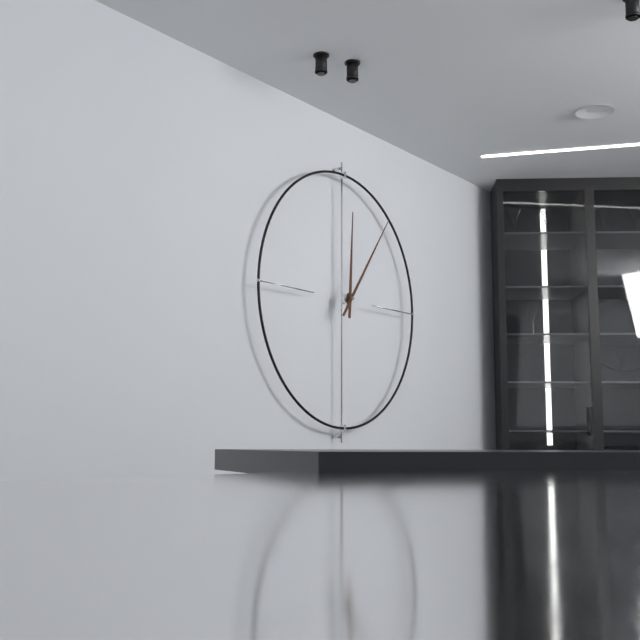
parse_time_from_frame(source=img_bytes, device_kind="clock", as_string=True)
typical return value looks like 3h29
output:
12h06
